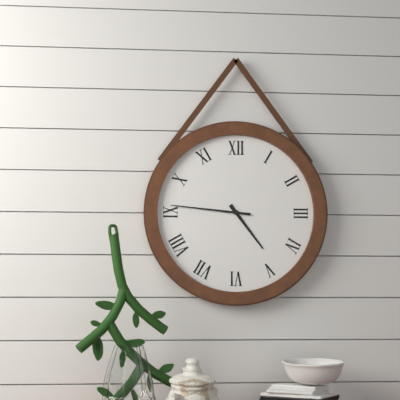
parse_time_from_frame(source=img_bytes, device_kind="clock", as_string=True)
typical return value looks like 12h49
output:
4h46
